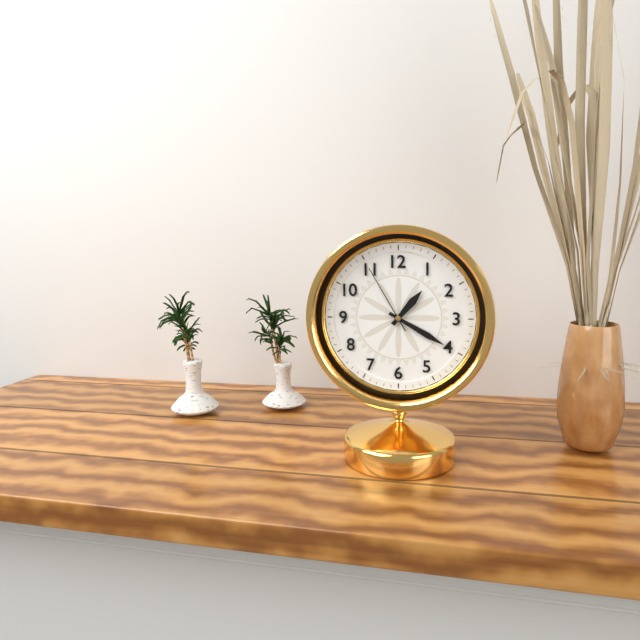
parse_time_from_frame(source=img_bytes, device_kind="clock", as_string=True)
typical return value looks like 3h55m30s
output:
1h20m55s
